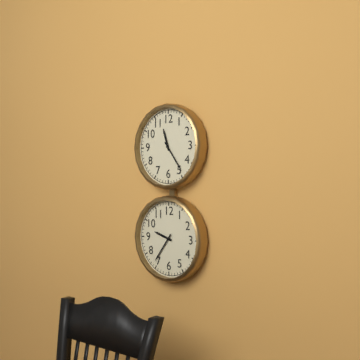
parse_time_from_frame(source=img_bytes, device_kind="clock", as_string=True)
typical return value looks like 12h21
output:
11h24
